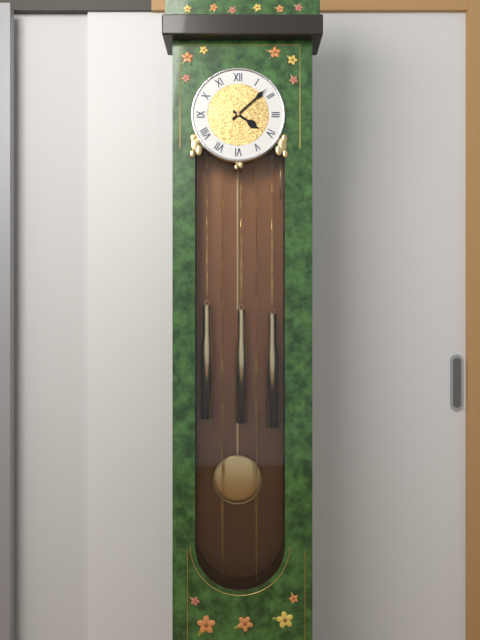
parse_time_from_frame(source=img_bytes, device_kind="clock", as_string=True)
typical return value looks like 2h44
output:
4h08
